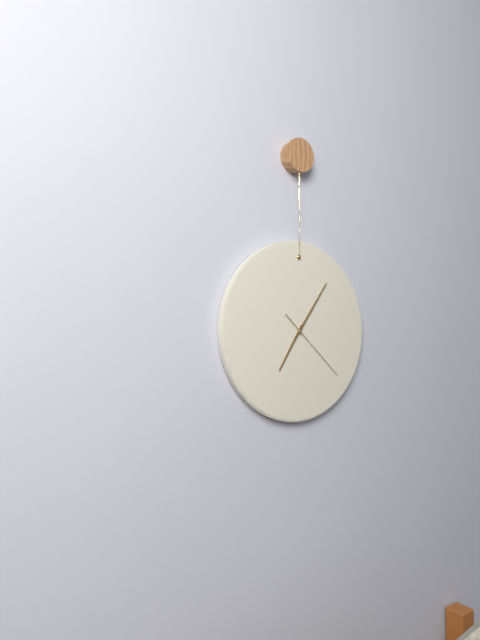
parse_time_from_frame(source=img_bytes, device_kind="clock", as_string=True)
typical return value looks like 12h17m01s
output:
7h06m22s
